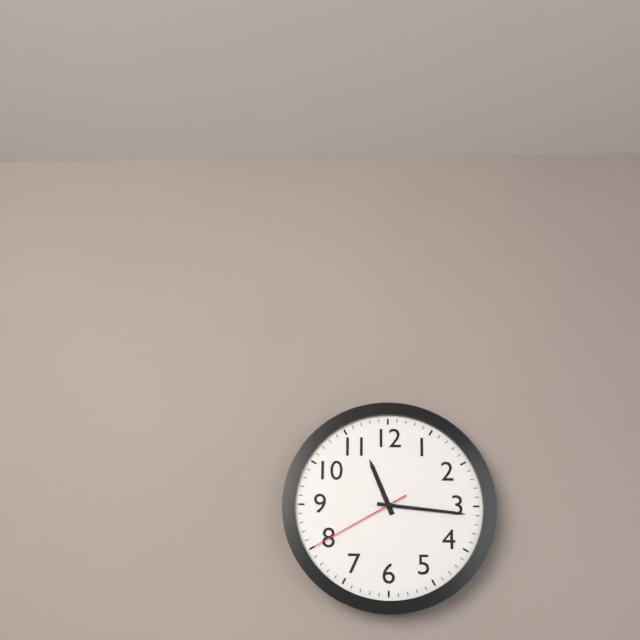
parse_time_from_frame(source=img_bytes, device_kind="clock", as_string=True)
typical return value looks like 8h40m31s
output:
11h16m40s
